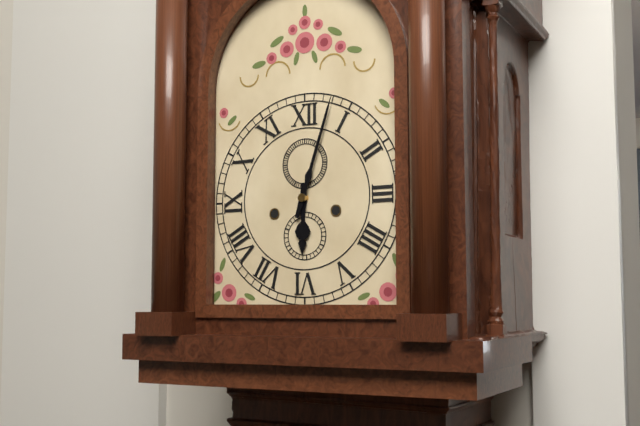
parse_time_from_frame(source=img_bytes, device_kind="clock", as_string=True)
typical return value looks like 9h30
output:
6h03
